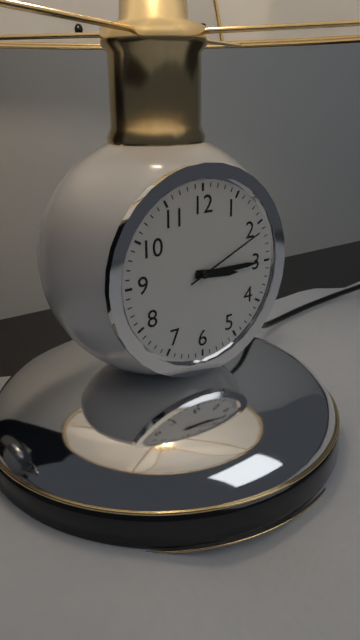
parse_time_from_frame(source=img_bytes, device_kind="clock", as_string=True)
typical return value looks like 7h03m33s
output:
3h15m11s
